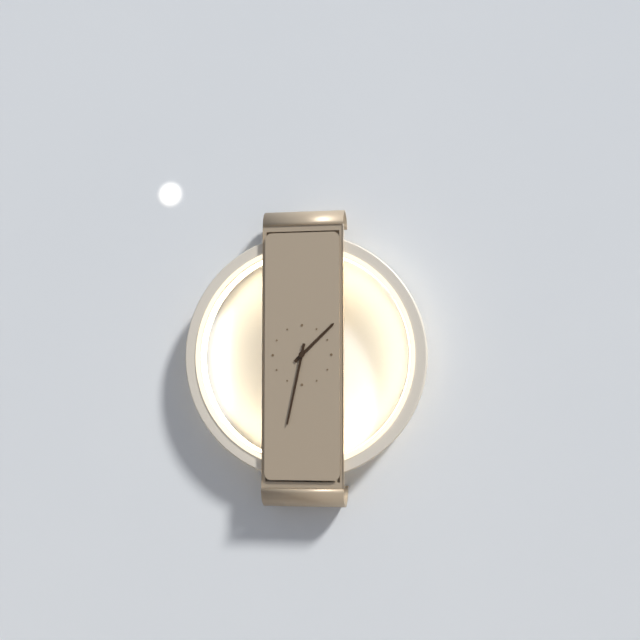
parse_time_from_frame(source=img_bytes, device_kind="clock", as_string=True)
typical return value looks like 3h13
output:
1h32
